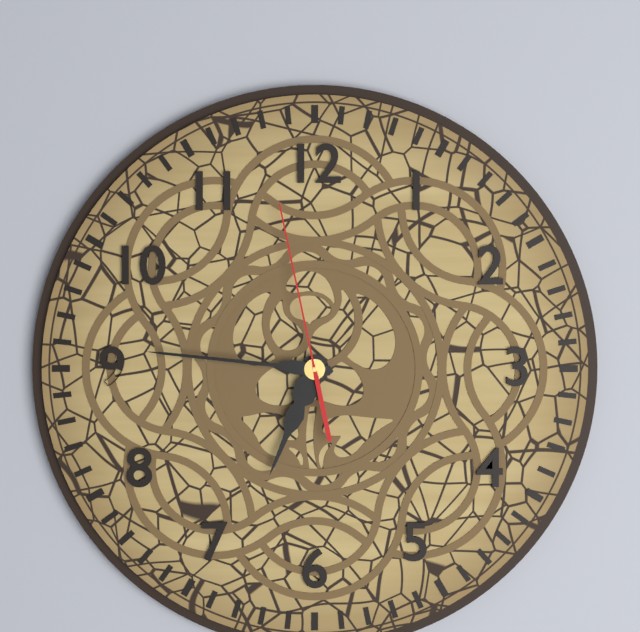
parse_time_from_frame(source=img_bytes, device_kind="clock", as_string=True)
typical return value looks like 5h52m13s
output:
6h46m58s
